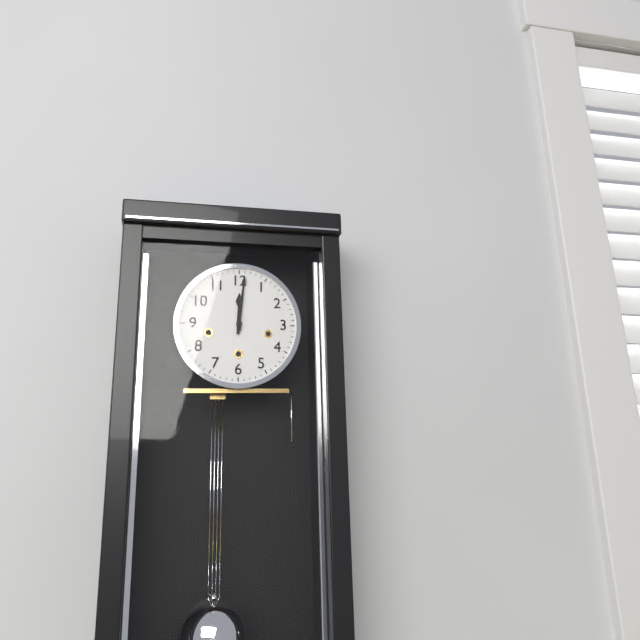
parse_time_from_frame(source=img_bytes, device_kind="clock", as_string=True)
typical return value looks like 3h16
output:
12h01
